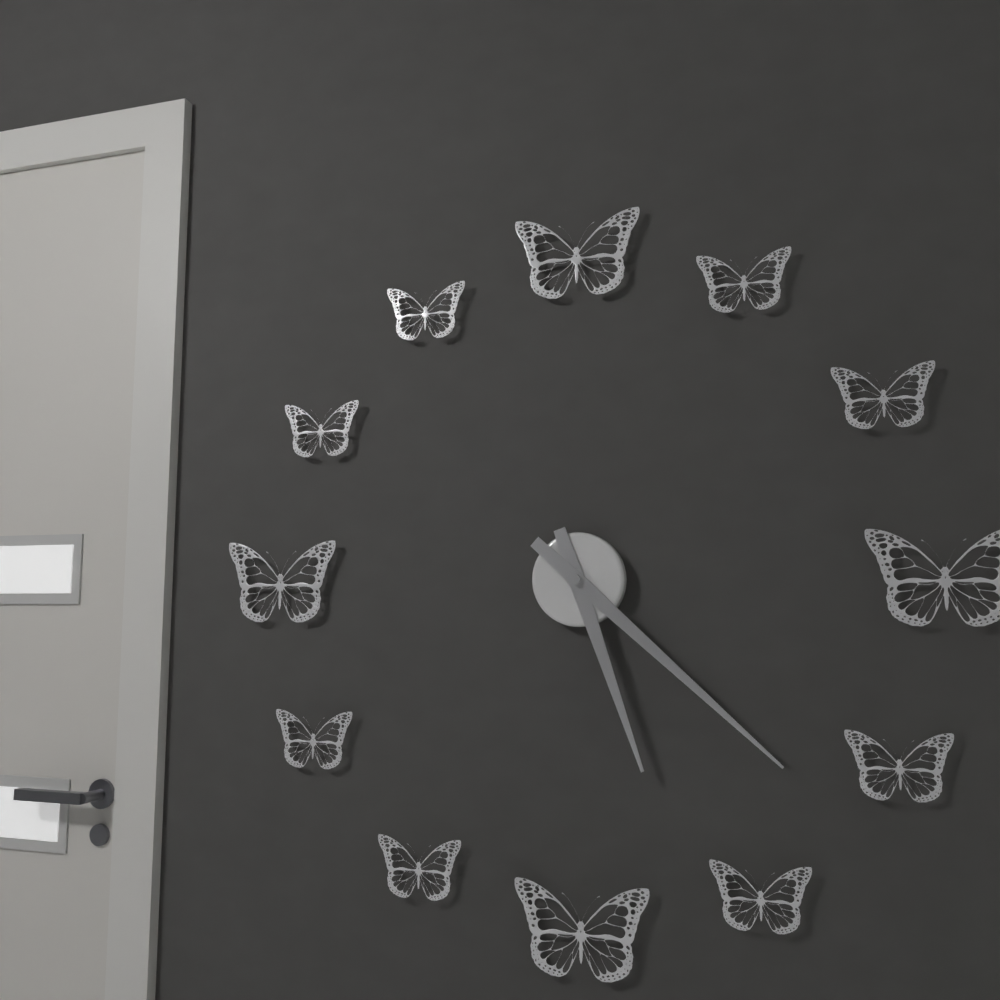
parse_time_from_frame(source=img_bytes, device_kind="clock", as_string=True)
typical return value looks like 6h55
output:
5h22
